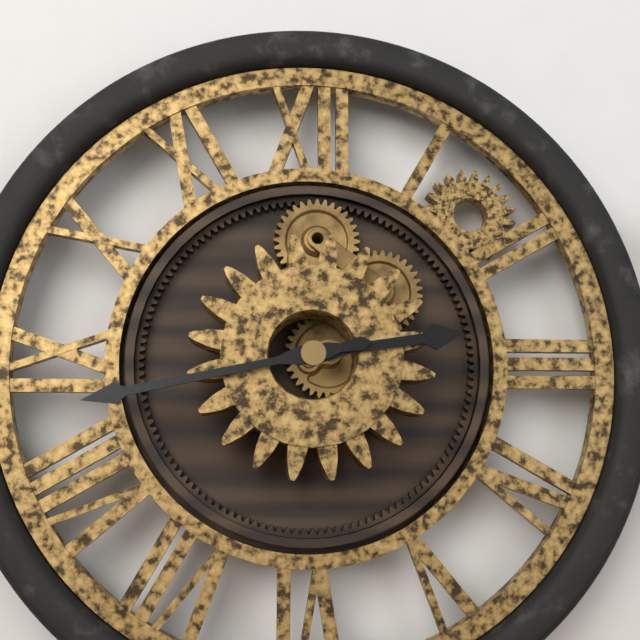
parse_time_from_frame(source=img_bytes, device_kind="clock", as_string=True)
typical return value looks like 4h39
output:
2h43
